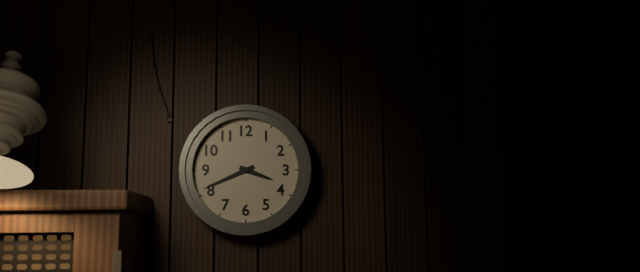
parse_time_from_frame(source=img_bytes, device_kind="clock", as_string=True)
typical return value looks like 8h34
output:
3h41
